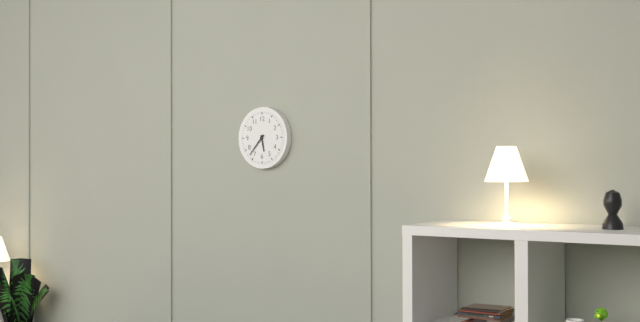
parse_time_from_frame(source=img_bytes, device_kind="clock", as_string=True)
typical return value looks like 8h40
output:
5h37
